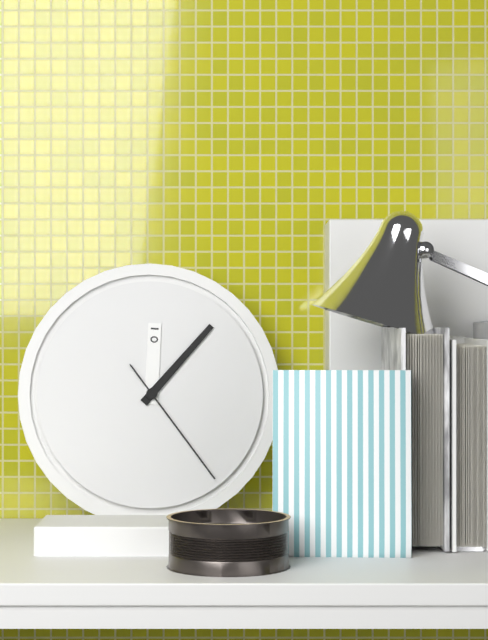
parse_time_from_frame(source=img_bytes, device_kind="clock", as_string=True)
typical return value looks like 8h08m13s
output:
12h07m24s
